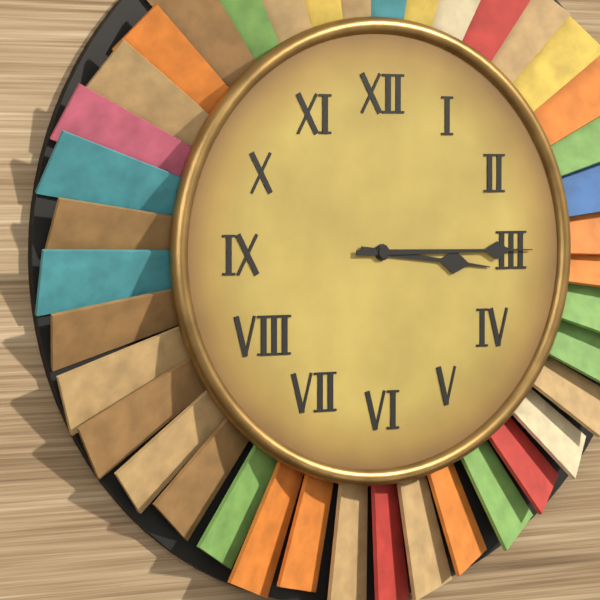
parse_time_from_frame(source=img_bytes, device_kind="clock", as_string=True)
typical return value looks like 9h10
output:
3h15
